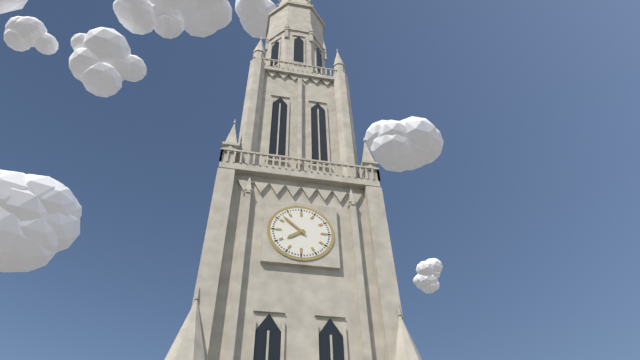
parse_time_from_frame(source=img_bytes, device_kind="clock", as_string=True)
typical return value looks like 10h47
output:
7h52
